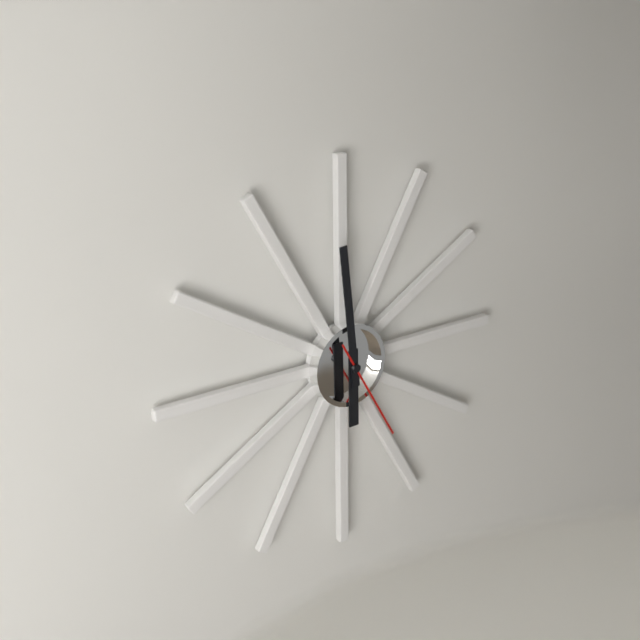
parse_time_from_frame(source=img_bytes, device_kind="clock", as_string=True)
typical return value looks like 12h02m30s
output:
5h59m25s
